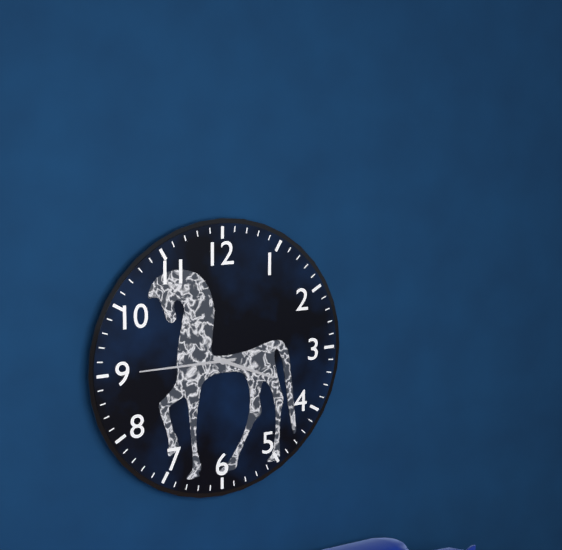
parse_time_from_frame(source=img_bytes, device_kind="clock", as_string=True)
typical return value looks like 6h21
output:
3h45
